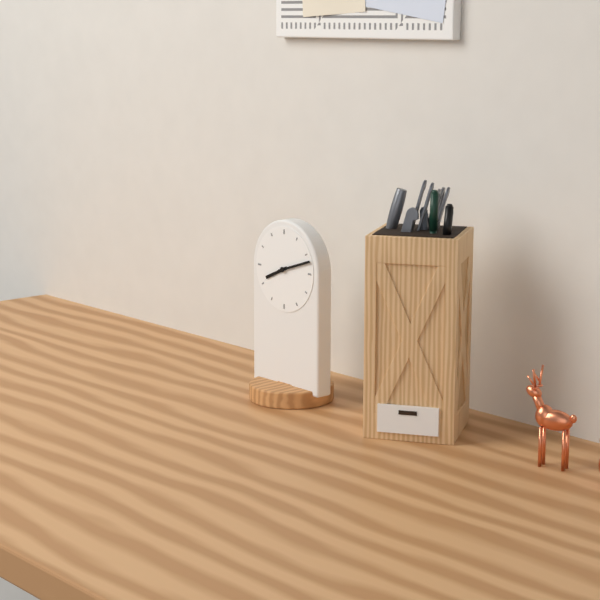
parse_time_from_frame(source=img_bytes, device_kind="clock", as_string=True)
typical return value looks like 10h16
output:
8h12
